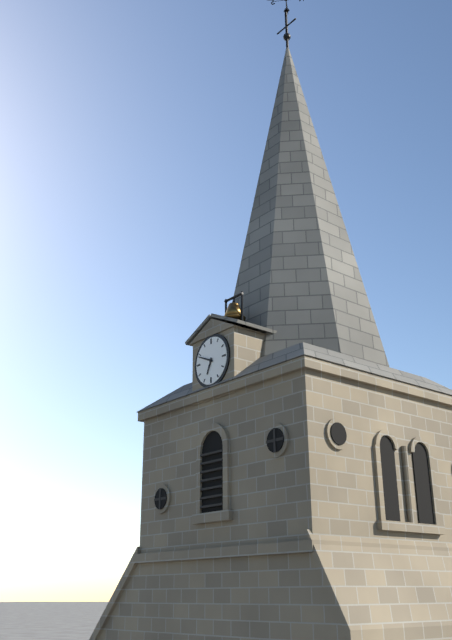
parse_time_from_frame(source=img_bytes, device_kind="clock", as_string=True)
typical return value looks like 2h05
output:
6h49
